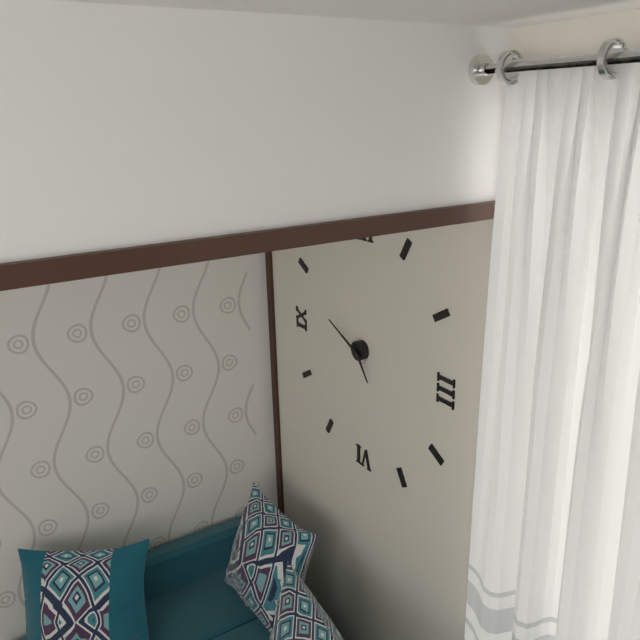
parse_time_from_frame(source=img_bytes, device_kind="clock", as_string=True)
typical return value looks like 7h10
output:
4h49
